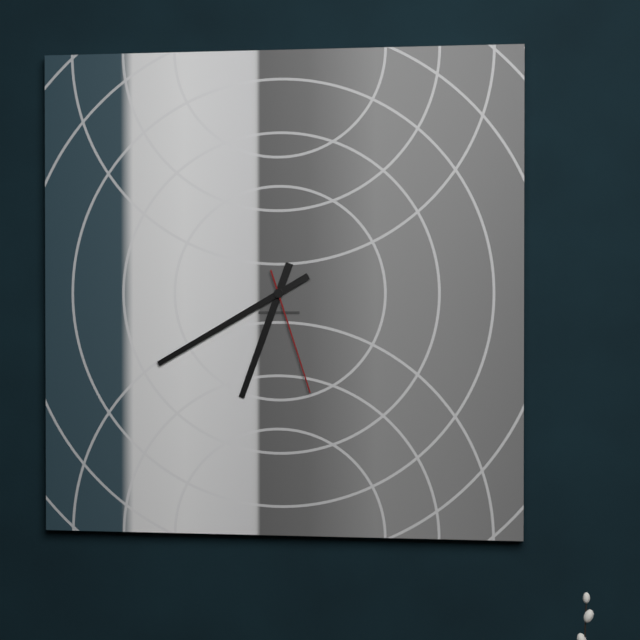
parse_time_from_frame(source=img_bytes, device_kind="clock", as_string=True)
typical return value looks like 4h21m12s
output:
6h40m27s
